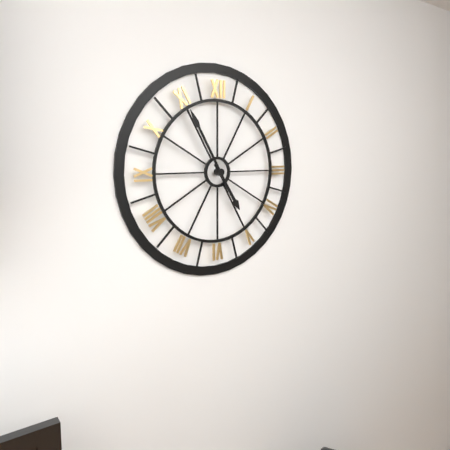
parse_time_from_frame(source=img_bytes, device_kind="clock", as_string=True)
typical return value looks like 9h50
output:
4h55
